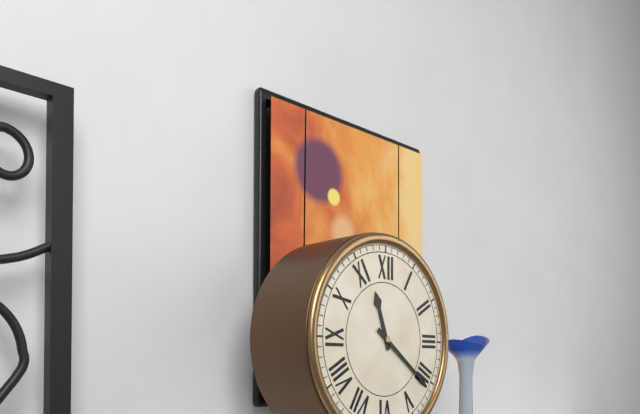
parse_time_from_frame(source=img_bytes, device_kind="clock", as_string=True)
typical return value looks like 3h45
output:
11h21
